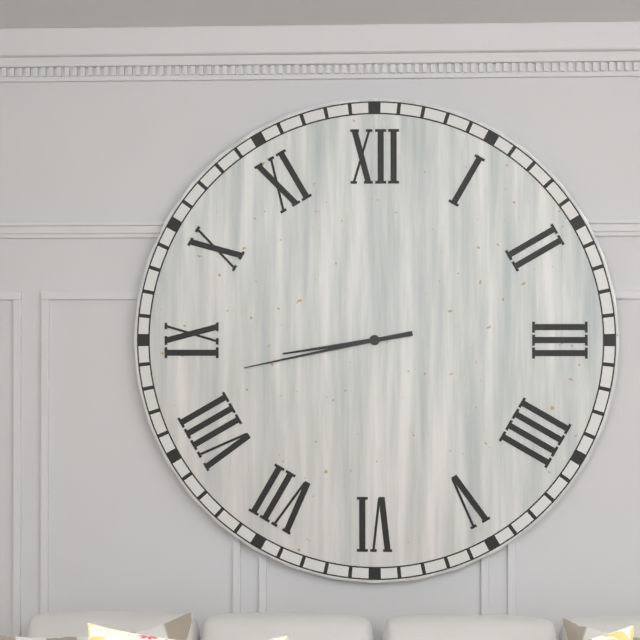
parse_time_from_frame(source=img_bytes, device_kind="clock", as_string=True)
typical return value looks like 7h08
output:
8h43
